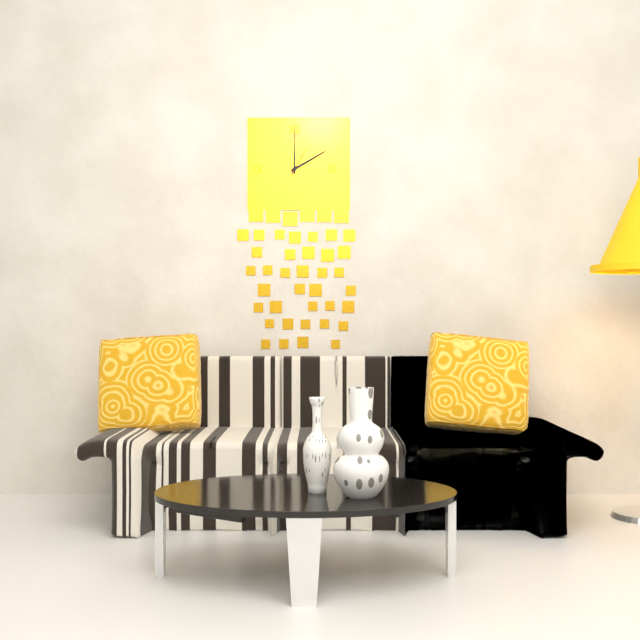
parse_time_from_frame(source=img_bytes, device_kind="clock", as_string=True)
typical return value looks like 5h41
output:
2h00
